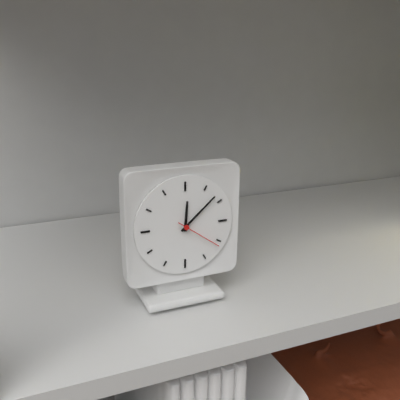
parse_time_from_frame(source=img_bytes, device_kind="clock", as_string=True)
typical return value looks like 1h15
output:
12h08
